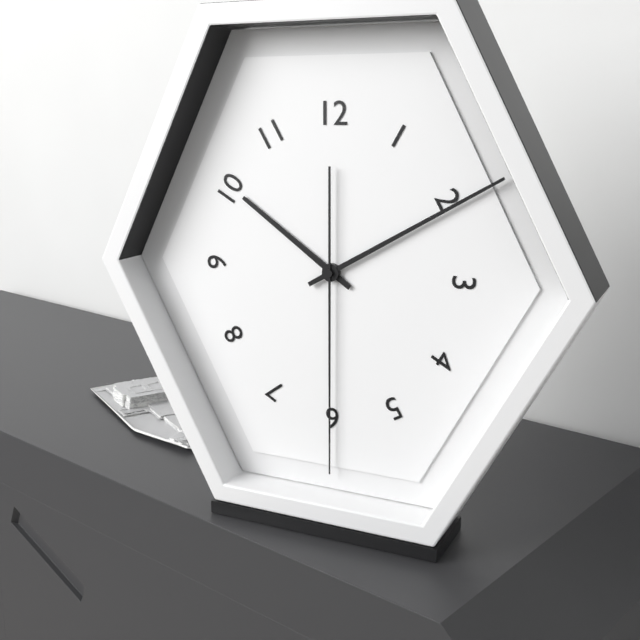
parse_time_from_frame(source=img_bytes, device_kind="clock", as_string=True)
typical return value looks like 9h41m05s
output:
10h10m30s
